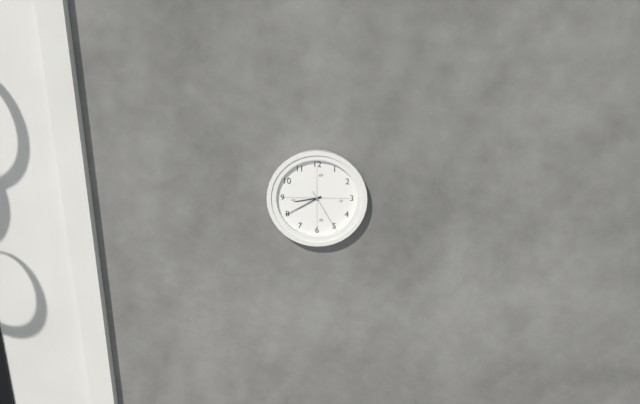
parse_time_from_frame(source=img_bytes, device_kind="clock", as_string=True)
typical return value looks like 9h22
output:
8h40
